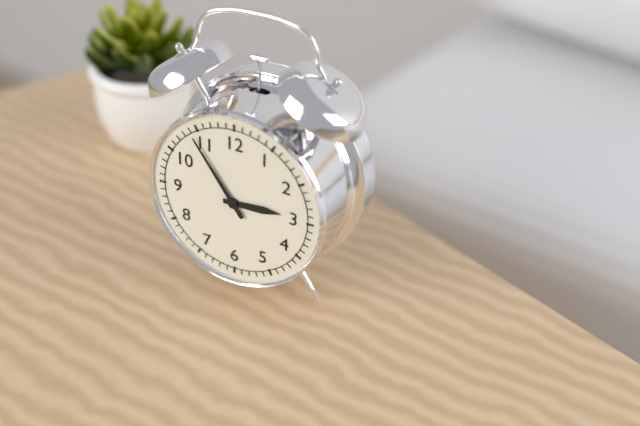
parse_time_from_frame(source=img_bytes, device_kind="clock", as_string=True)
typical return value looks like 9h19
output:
2h54
